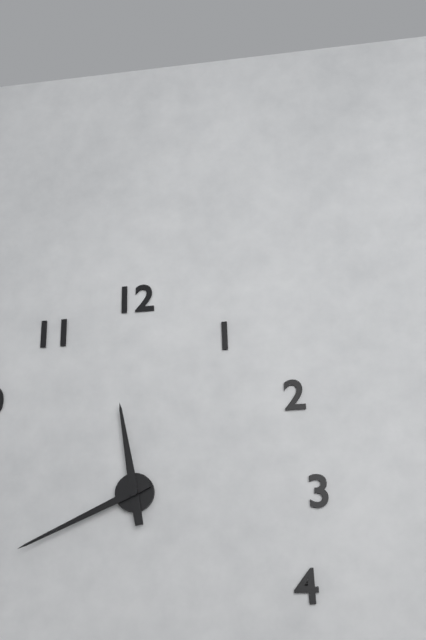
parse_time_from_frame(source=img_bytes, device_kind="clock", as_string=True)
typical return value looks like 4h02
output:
11h41
